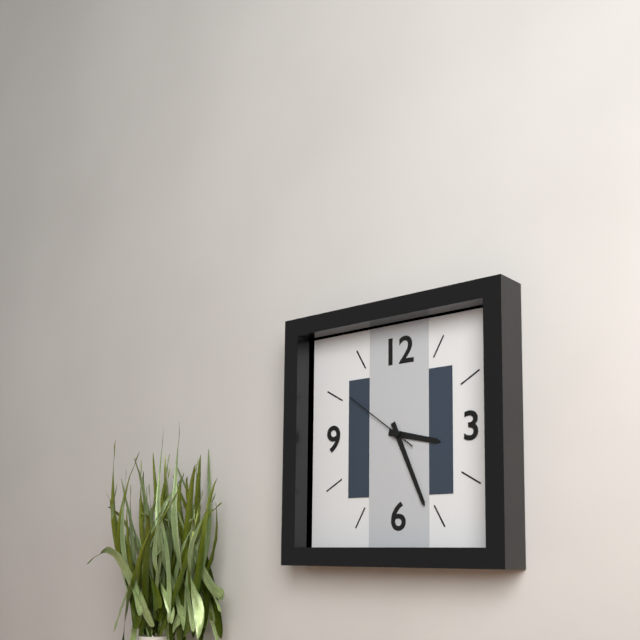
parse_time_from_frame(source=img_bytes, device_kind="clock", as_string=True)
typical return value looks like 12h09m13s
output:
3h26m51s
